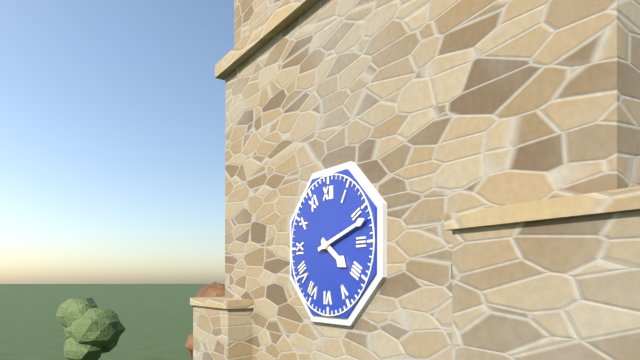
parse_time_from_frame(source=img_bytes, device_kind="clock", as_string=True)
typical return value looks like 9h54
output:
4h12
